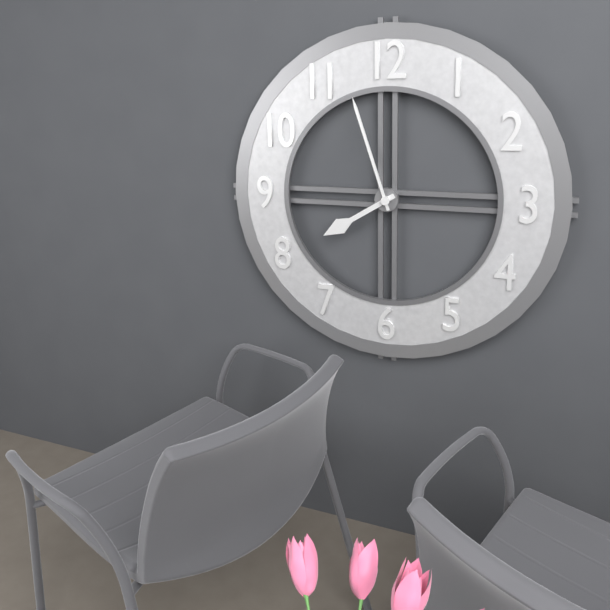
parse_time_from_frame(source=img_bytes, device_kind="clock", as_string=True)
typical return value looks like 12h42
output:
7h57
